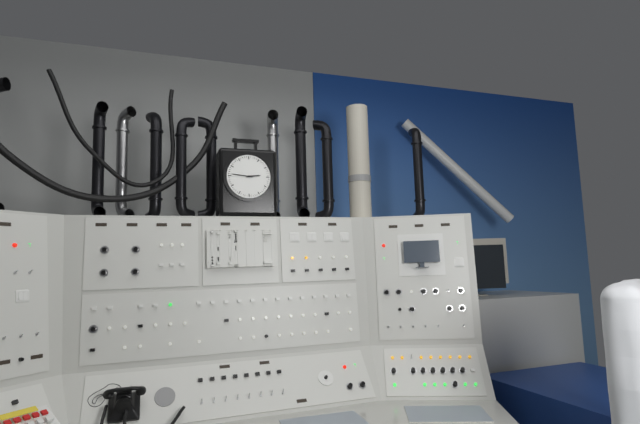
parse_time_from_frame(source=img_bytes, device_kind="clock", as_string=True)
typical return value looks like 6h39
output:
2h46
